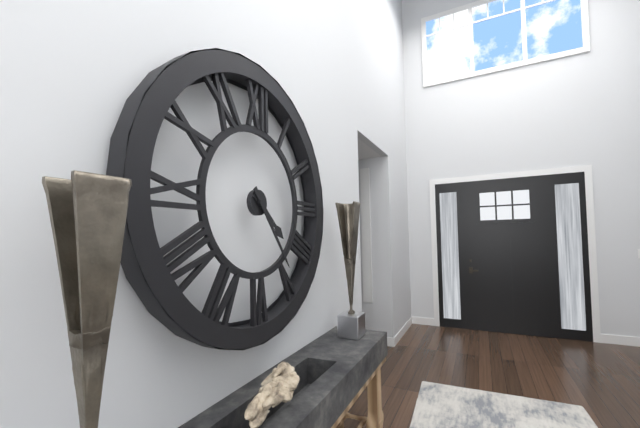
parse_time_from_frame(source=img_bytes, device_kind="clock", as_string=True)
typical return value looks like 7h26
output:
4h24
